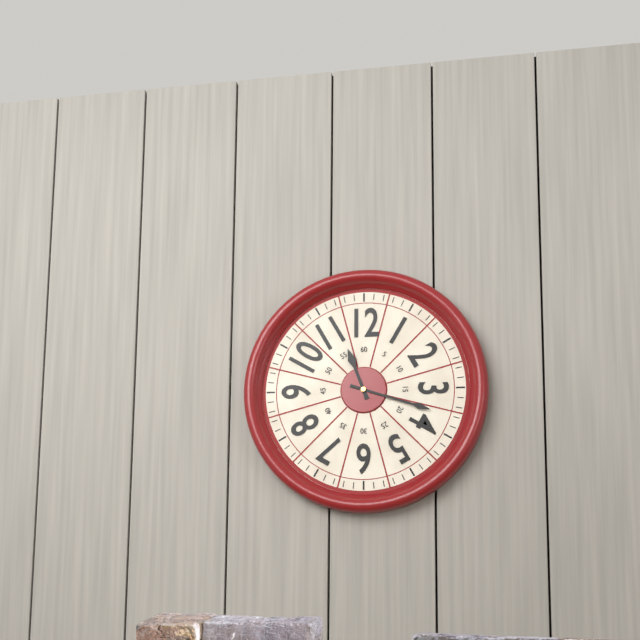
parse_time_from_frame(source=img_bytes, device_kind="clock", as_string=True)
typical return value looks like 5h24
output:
11h18
